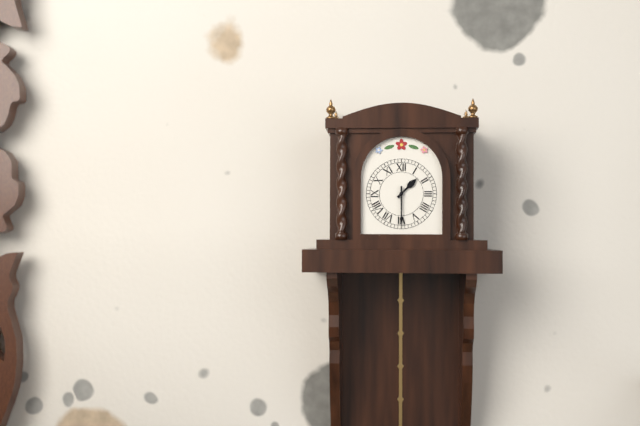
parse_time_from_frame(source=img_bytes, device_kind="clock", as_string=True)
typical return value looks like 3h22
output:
1h30
